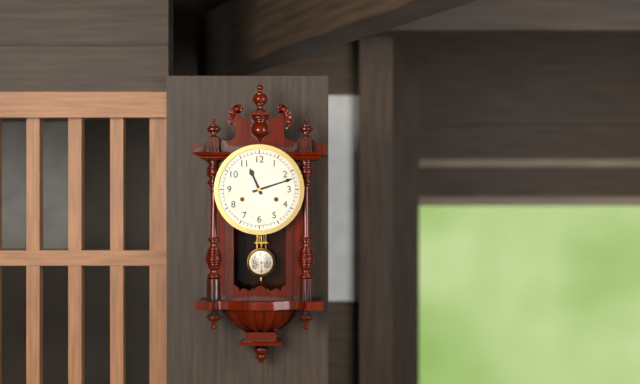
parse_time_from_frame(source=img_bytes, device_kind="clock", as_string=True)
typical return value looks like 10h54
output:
11h12
